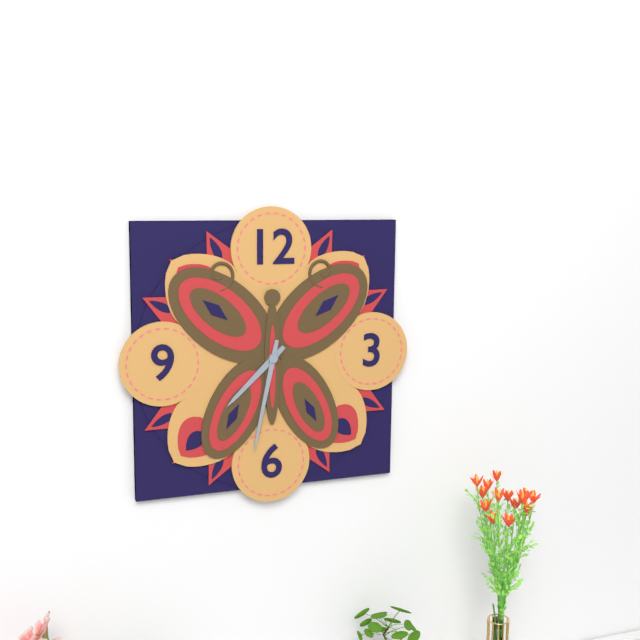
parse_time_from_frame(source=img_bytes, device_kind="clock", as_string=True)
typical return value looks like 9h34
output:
7h32
